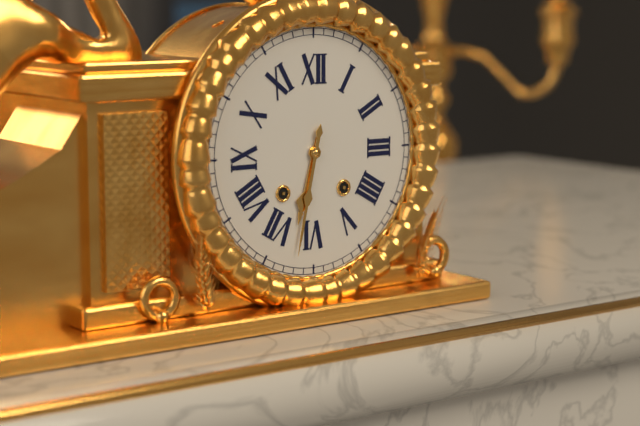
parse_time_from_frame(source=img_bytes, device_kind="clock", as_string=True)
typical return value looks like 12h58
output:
6h32
